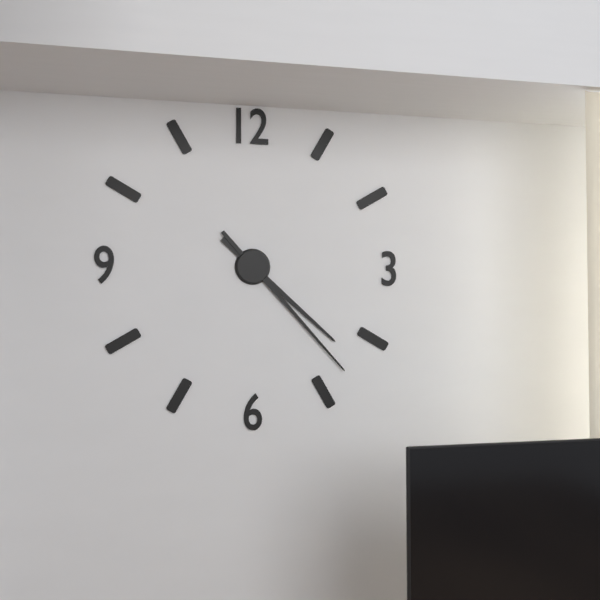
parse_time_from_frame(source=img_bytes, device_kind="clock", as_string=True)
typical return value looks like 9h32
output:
4h23
